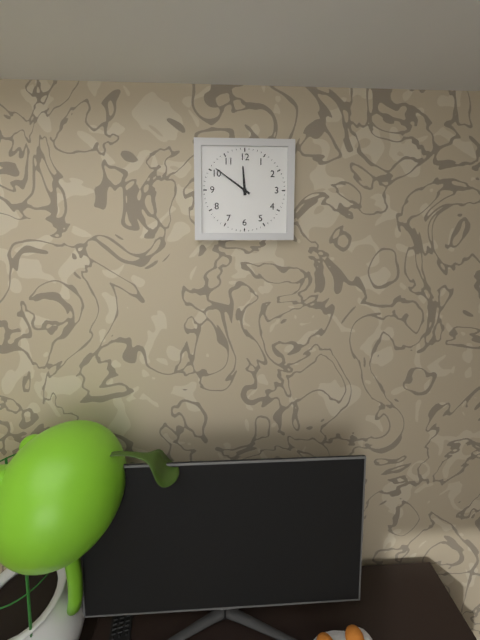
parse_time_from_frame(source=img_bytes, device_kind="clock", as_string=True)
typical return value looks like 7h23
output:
11h51
